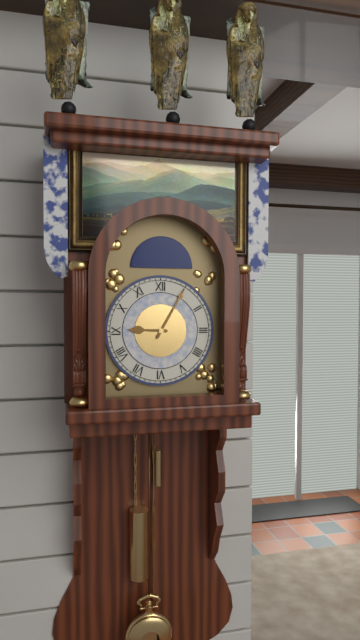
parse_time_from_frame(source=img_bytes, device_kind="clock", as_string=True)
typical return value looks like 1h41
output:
9h05
